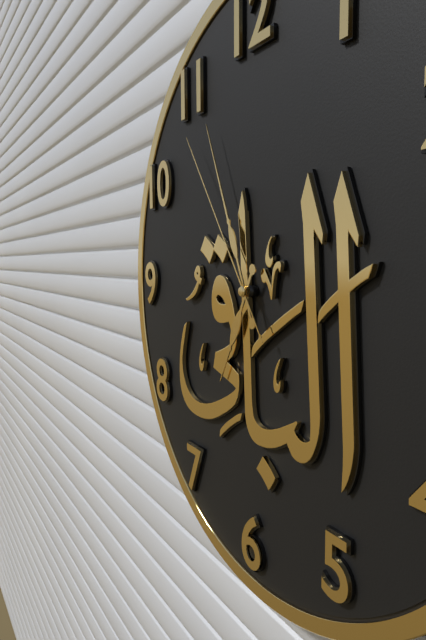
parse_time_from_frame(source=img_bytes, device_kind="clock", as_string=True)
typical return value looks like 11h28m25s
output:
6h56m54s
